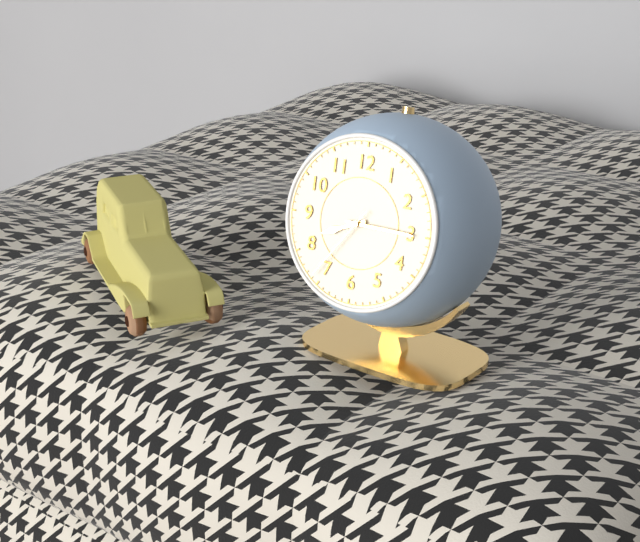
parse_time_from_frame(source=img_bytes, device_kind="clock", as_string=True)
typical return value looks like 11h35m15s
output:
8h15m36s
